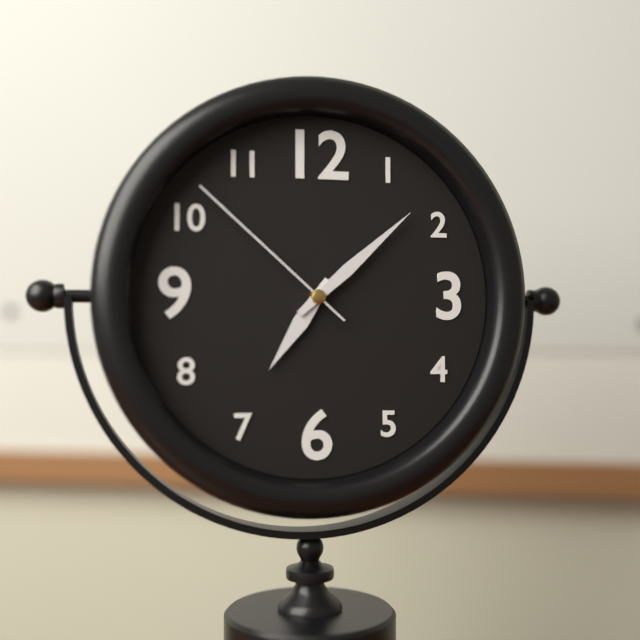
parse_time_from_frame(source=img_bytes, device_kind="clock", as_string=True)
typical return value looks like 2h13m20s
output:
7h08m52s
